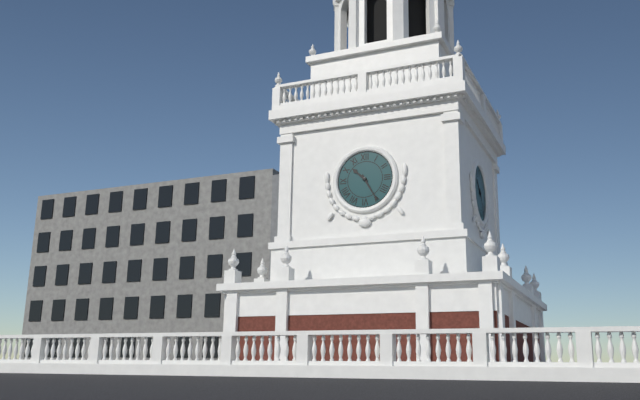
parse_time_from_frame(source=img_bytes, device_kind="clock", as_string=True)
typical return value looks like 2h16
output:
10h25
